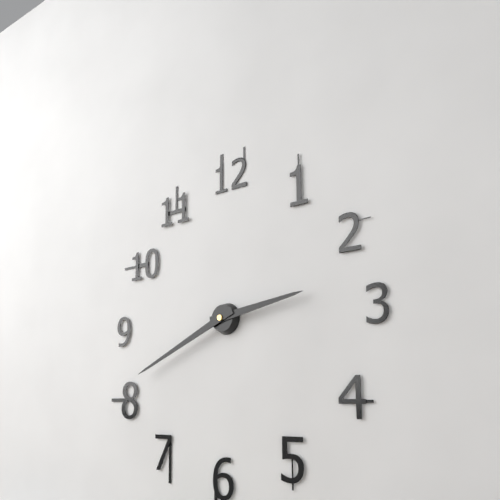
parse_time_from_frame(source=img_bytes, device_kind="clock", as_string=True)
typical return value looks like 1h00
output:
2h41
